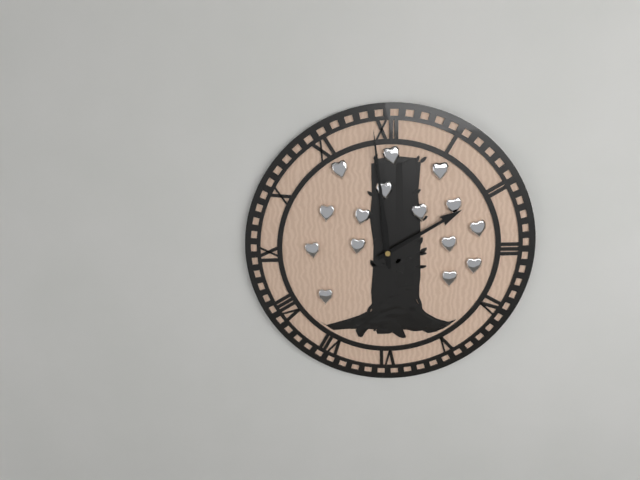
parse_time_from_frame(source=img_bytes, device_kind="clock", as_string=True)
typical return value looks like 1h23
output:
1h59
